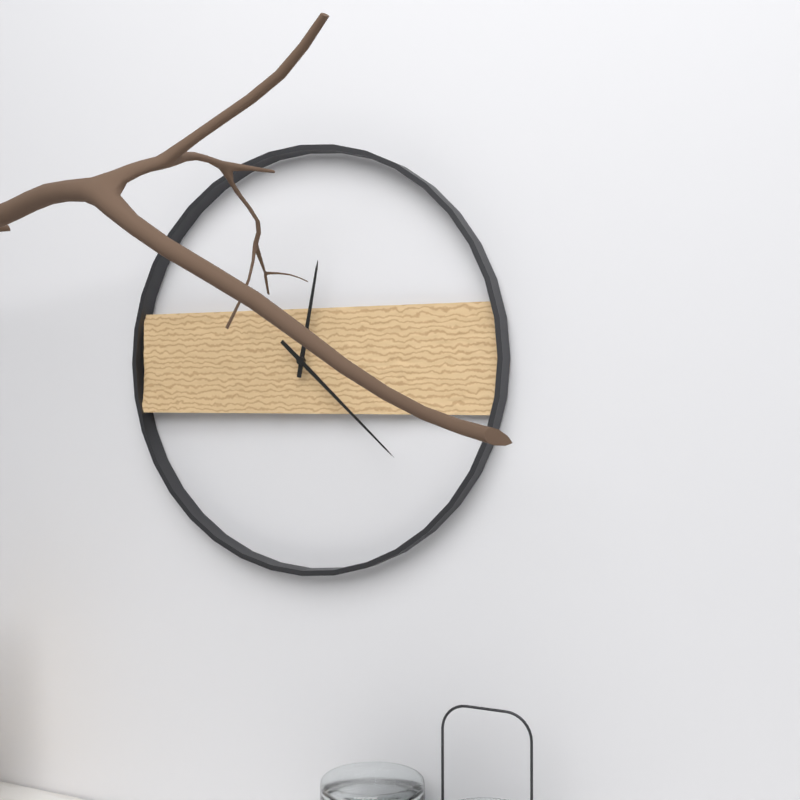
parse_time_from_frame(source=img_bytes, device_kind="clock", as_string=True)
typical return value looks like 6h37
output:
12h22
